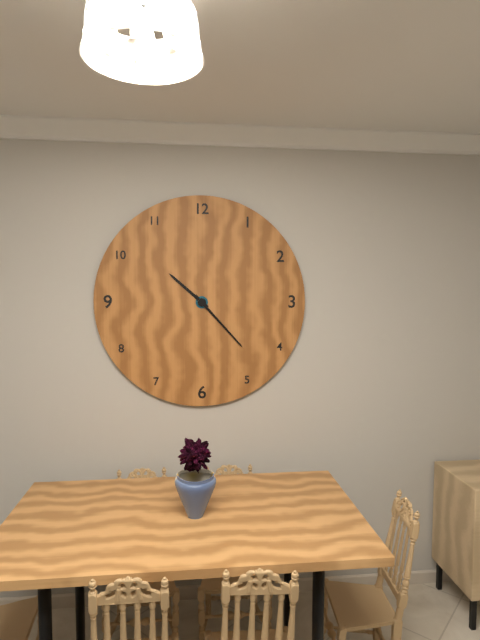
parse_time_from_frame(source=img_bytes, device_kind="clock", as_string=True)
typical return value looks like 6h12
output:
10h23
